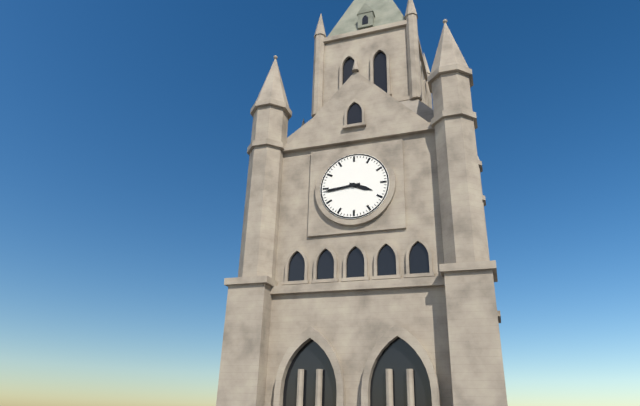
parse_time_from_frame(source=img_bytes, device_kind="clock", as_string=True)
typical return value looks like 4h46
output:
3h44
